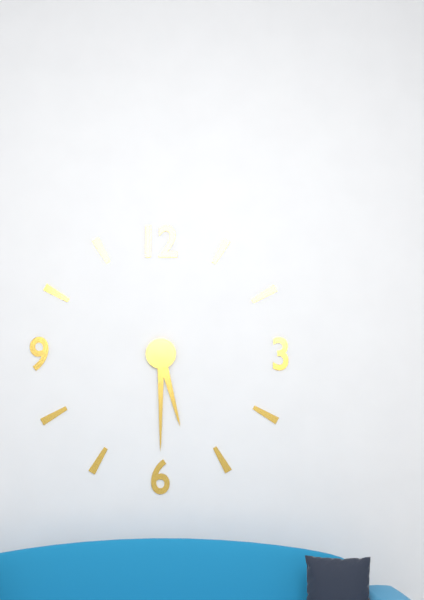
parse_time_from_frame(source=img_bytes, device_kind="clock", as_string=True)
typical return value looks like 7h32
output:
5h30
